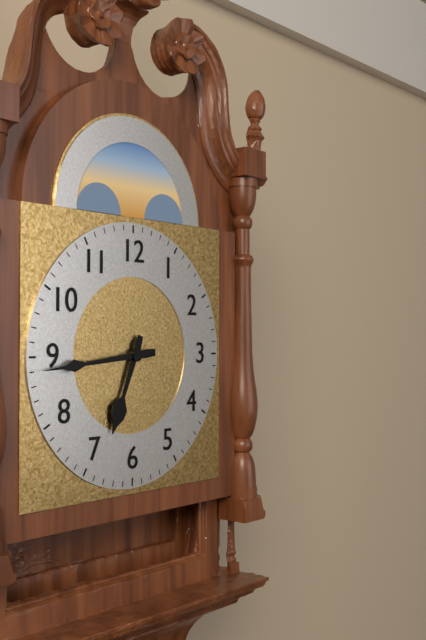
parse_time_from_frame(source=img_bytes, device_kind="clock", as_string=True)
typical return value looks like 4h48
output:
6h44
